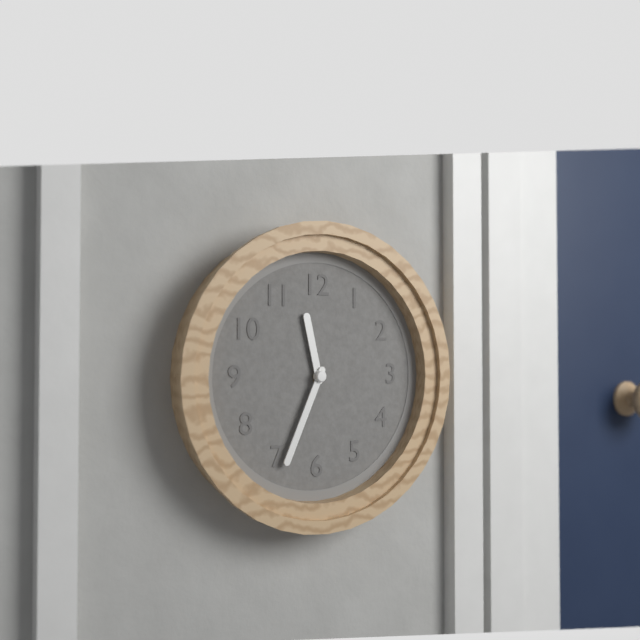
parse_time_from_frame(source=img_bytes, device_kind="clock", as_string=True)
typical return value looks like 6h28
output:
11h34
